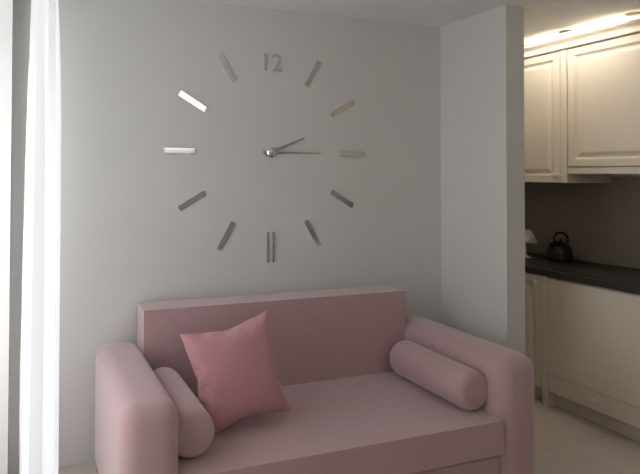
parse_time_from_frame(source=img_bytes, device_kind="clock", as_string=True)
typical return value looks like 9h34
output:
2h15
